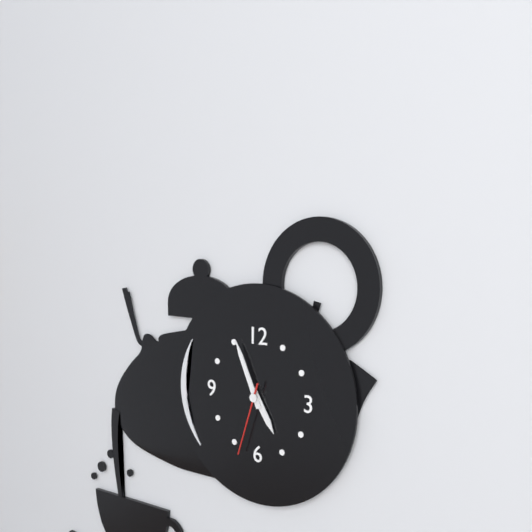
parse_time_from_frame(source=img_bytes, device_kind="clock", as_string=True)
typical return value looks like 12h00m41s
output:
4h56m33s
